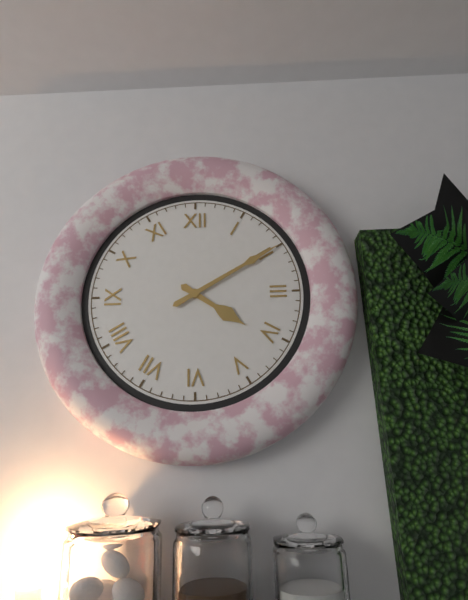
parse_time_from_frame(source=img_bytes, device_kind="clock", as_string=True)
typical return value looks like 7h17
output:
4h10
